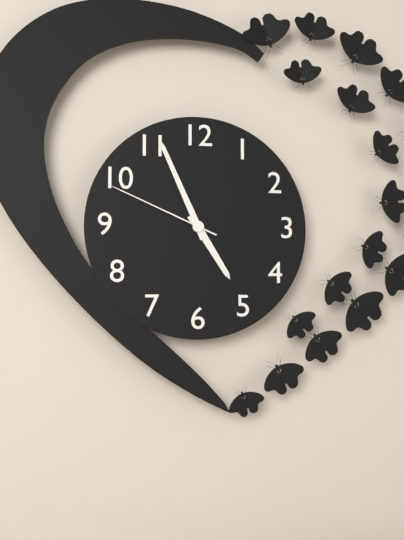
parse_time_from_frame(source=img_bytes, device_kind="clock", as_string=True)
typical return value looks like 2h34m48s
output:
4h56m49s
